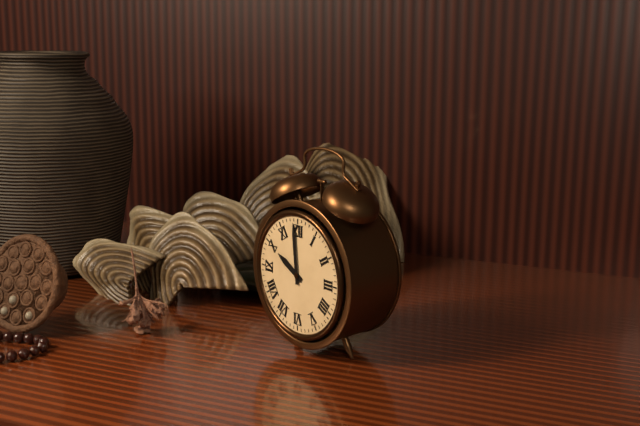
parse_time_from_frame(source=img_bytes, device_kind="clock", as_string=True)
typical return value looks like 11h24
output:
9h59
